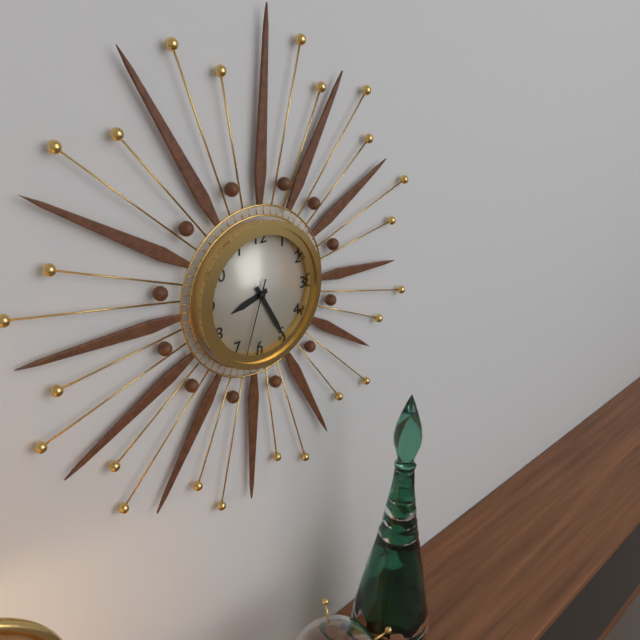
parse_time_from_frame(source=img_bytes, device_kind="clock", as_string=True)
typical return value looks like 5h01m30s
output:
8h25m33s
